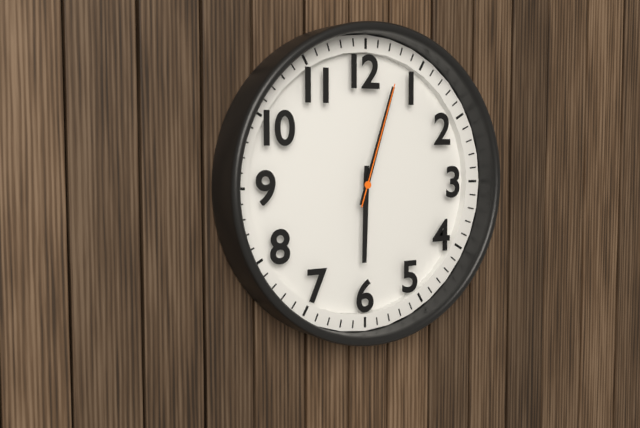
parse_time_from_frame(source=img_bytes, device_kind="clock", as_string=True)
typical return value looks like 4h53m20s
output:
6h03m03s
